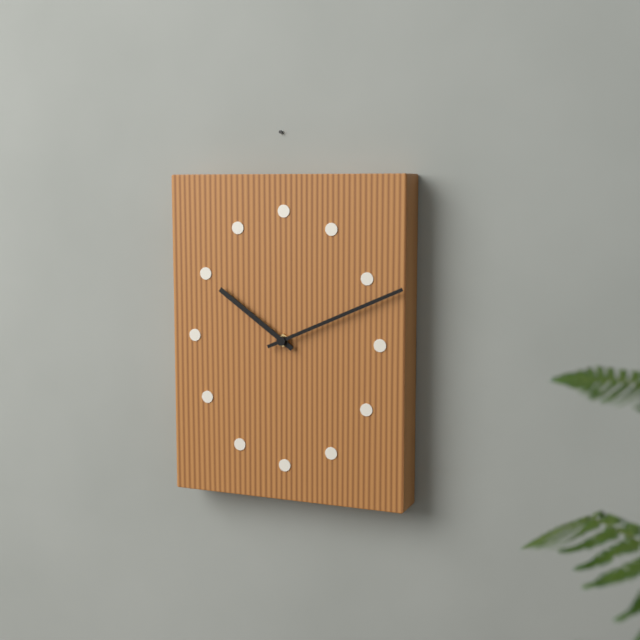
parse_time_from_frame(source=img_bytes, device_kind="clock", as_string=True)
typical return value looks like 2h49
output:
10h11
